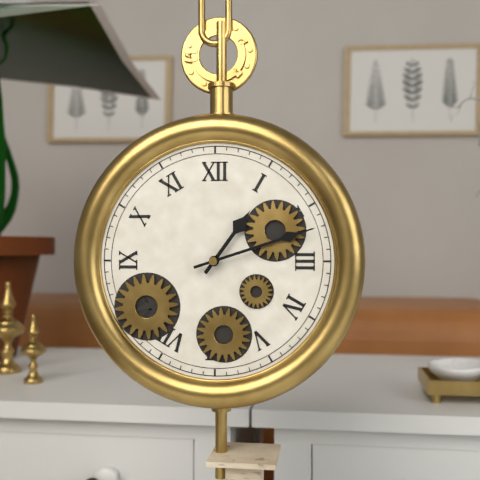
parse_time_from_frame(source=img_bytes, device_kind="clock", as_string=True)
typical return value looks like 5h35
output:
1h12
